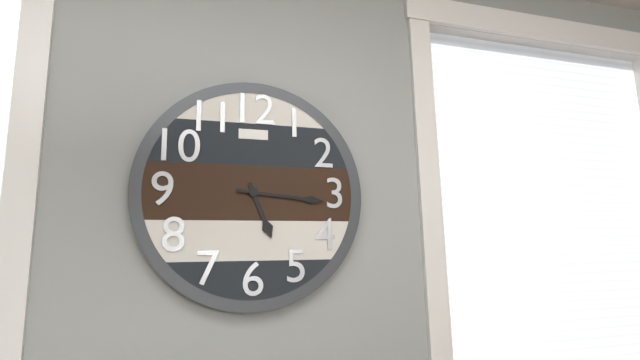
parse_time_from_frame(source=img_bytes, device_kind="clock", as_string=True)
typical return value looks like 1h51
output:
5h16
